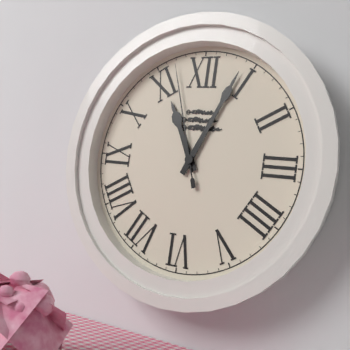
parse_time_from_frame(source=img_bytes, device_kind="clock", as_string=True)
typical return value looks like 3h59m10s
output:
11h04m57s
